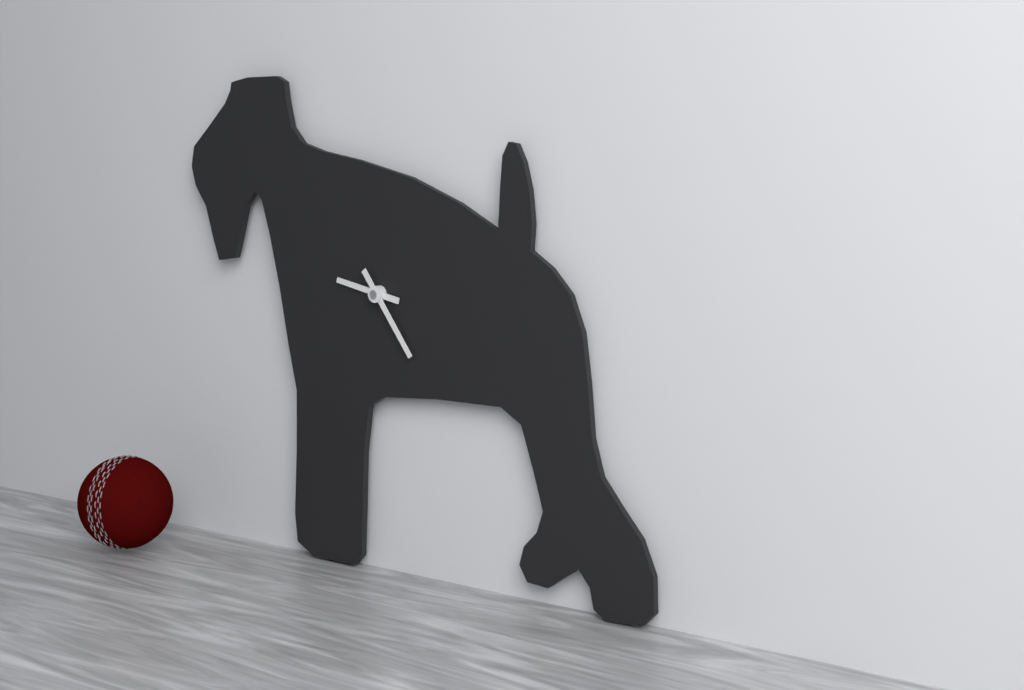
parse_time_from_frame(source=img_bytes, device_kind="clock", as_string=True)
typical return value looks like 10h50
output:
9h24
